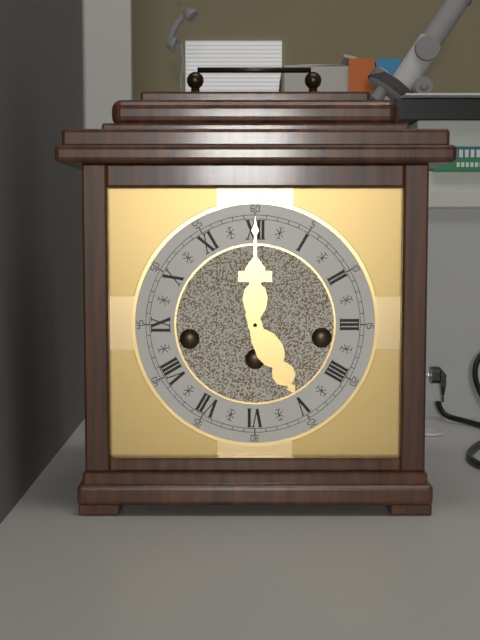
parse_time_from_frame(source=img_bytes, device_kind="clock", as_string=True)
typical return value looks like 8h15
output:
5h00
